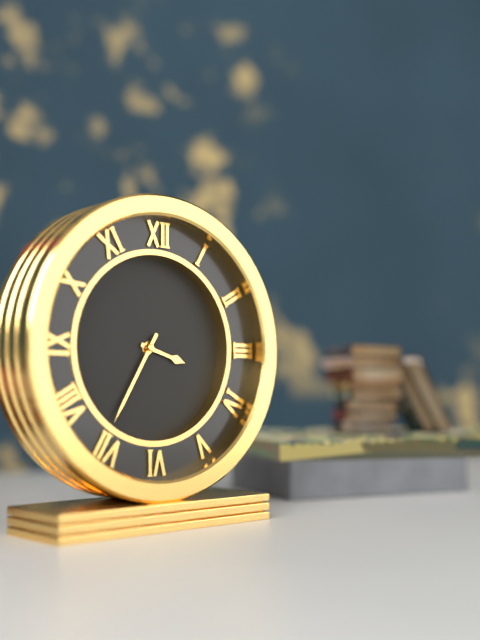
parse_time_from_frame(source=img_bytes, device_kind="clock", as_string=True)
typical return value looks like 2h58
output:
3h35
